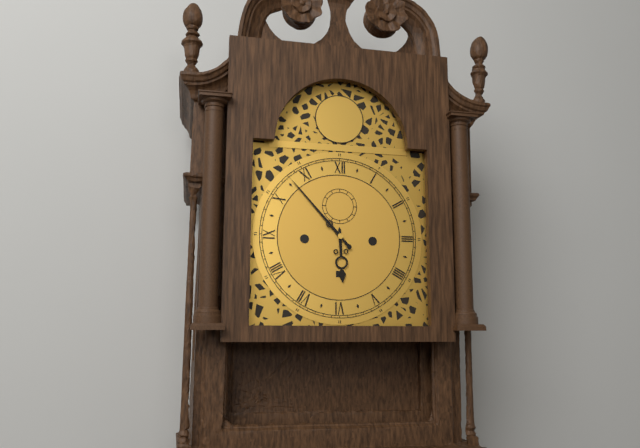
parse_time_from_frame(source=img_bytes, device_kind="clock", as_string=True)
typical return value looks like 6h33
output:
5h53
